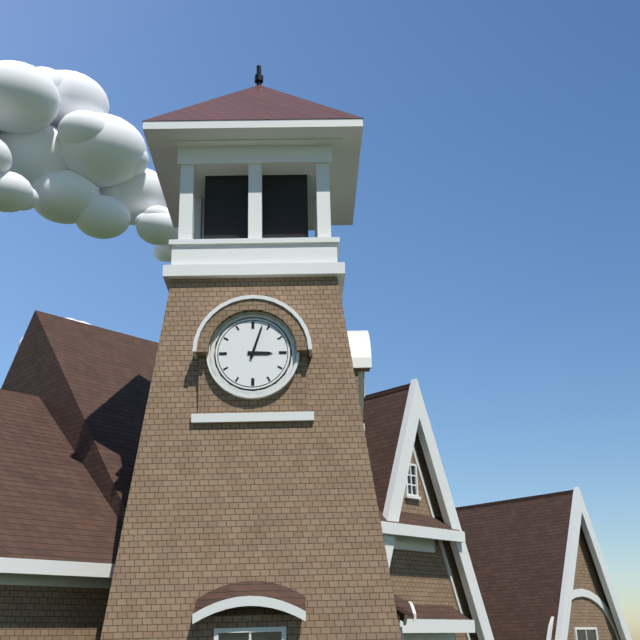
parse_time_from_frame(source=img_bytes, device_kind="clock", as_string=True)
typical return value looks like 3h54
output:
3h03
